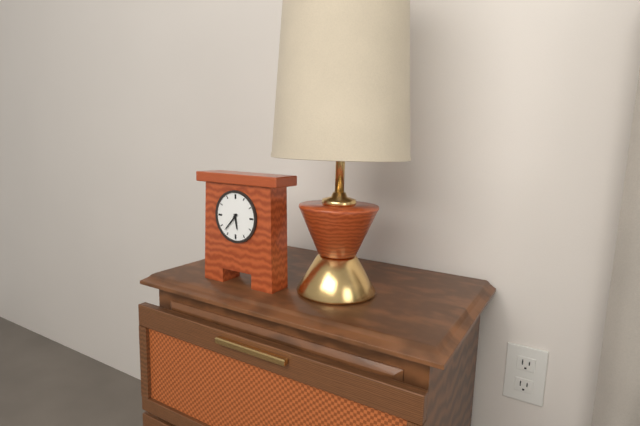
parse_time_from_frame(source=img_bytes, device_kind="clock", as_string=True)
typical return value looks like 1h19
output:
5h37
